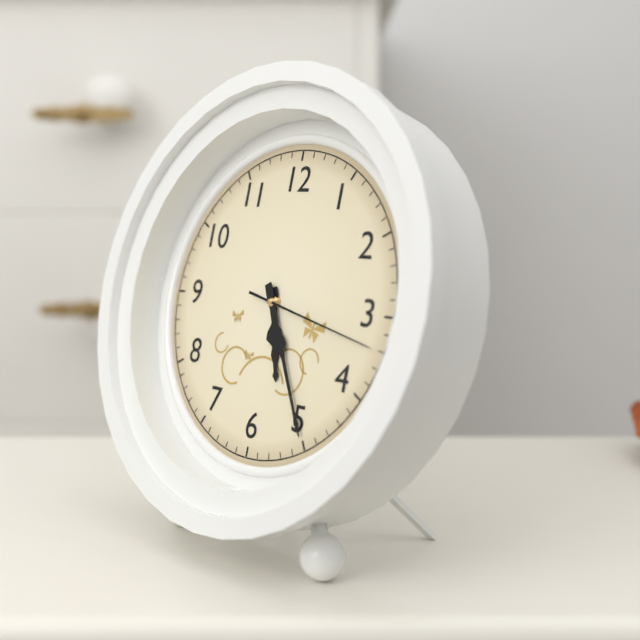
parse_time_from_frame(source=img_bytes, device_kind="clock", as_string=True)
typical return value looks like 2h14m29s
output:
5h25m17s
